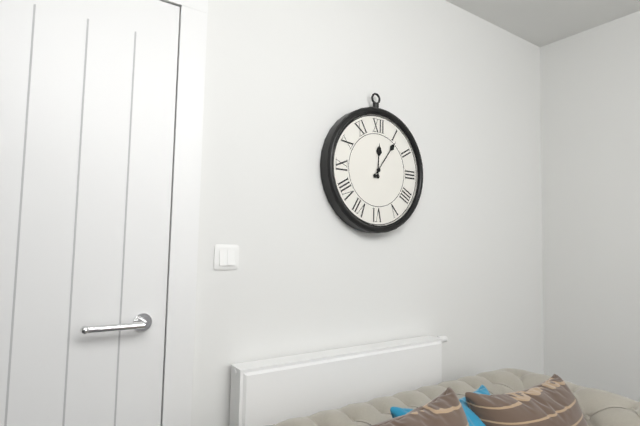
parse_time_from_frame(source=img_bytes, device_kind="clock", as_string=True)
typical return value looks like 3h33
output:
12h06
